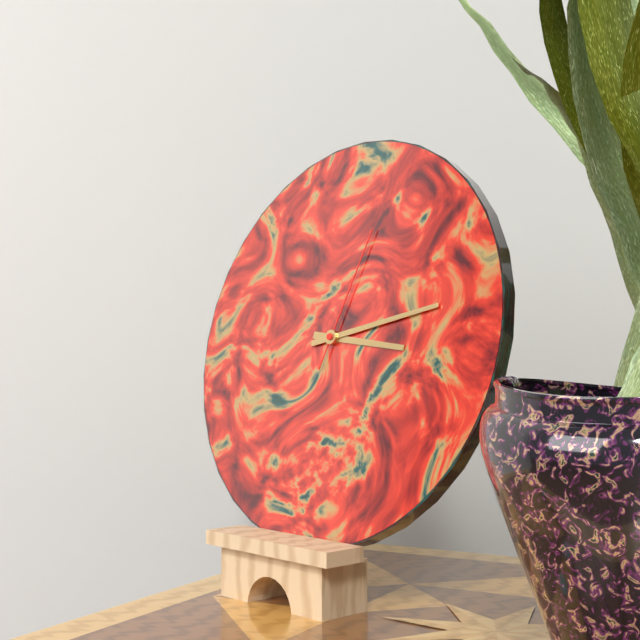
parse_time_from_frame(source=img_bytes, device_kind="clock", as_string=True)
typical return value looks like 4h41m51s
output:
3h13m03s
